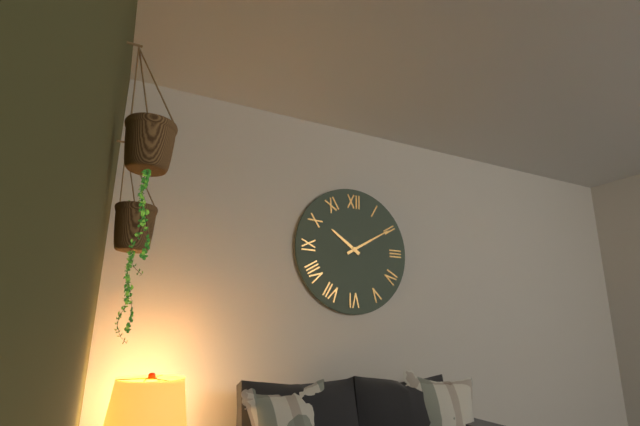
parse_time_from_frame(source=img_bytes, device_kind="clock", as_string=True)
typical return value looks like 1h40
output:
10h10
